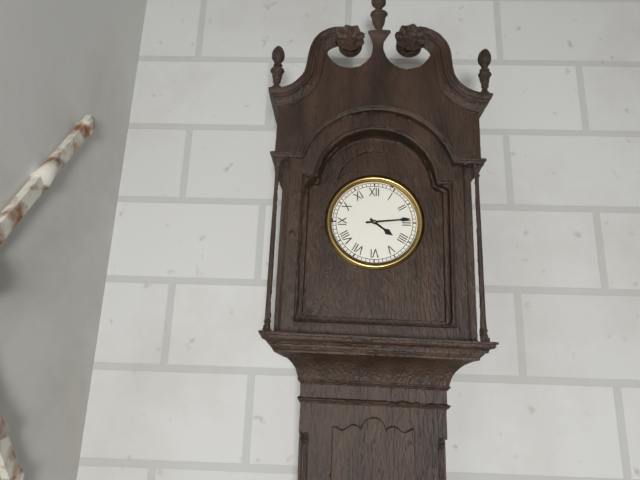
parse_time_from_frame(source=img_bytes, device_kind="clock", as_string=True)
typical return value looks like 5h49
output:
4h14
